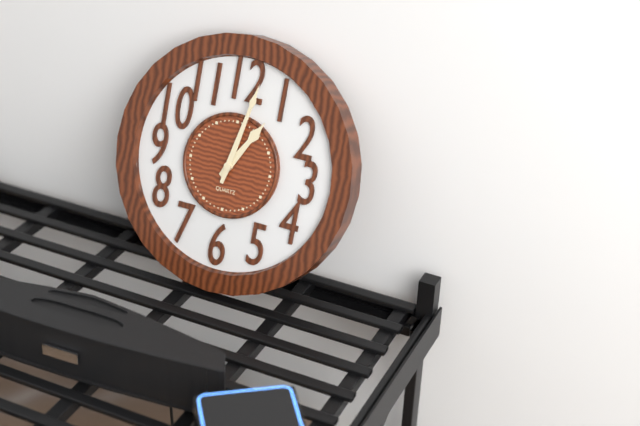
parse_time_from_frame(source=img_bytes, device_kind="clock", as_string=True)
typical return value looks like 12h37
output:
1h02
